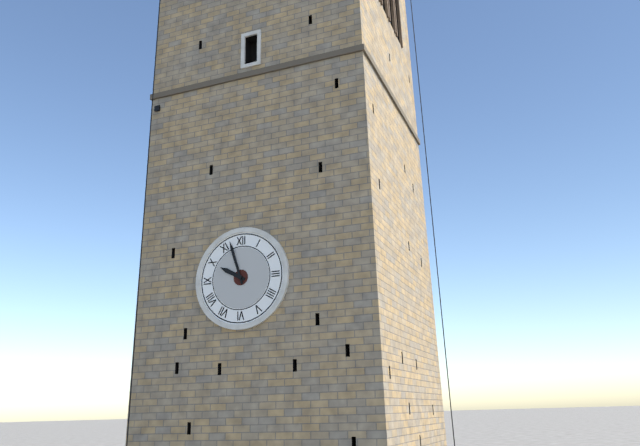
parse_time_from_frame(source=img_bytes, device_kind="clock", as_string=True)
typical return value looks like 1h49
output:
9h57
